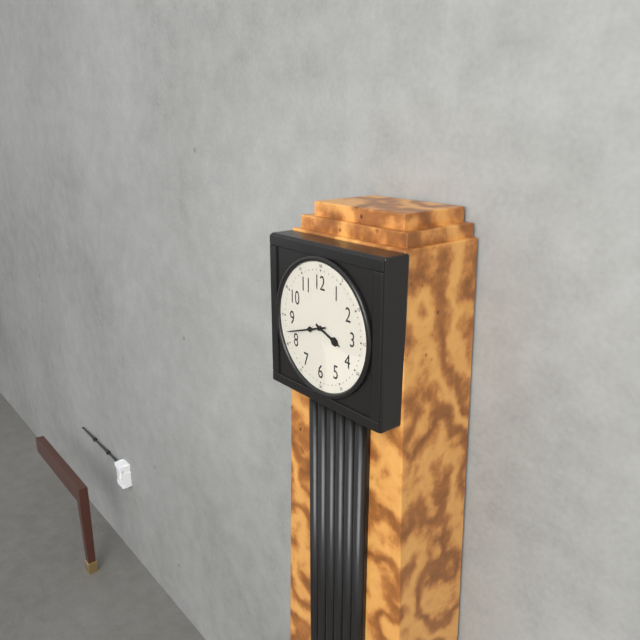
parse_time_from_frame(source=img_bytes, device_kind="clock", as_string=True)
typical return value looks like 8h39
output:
3h42
